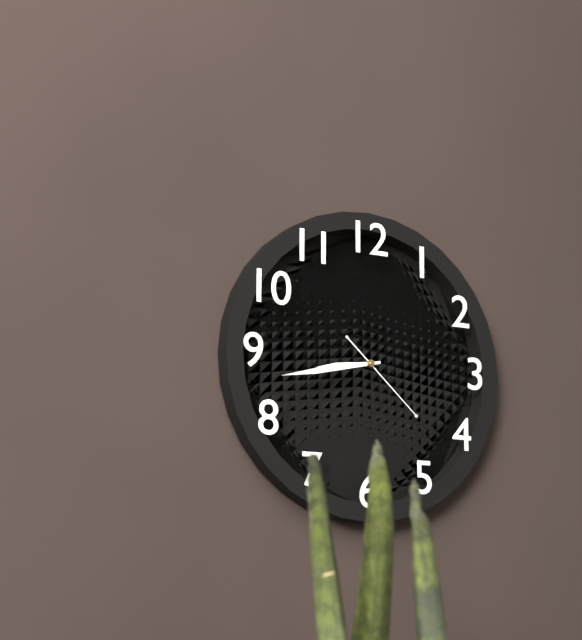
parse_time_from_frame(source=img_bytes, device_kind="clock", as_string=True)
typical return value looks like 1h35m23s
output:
8h43m22s
